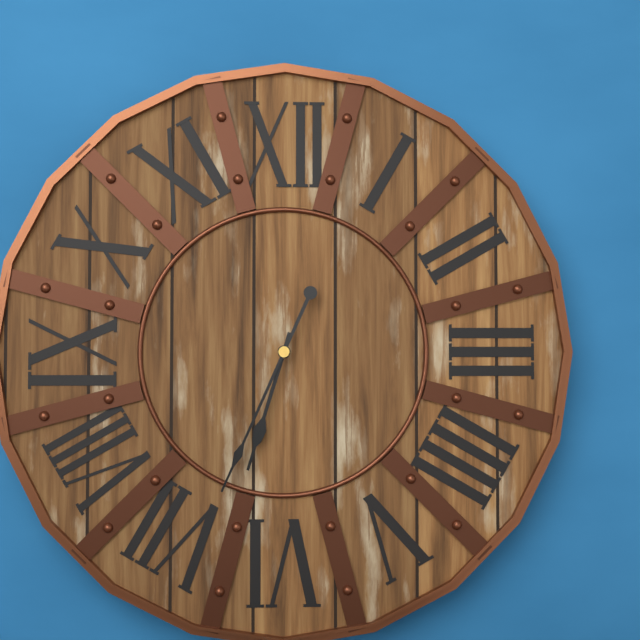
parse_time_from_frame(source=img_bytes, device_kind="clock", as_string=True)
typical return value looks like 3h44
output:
6h34
